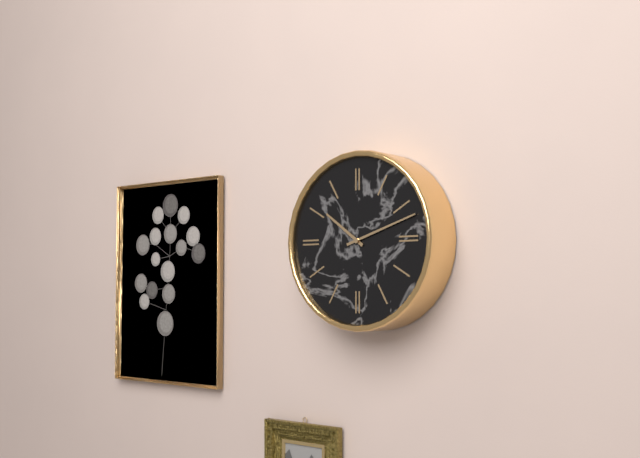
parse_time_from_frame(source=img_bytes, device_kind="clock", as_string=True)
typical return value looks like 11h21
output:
10h12
